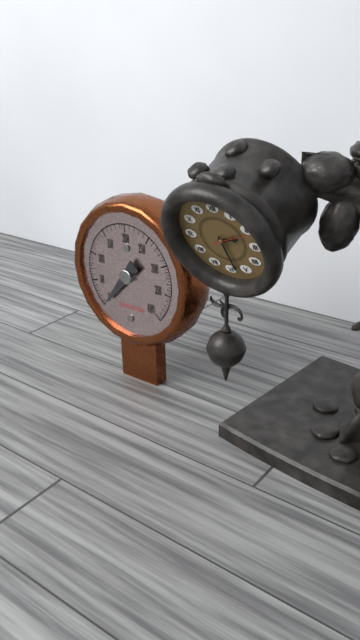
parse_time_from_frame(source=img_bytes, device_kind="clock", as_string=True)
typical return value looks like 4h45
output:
2h28
